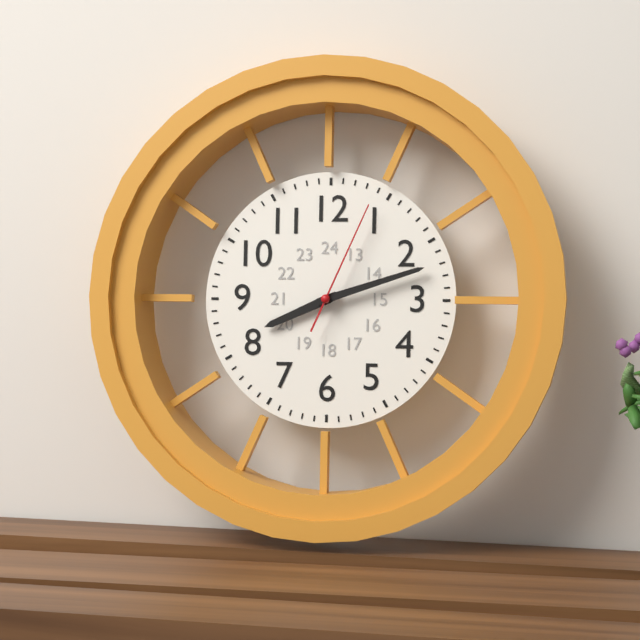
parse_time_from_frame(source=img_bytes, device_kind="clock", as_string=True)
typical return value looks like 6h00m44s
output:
8h12m04s
